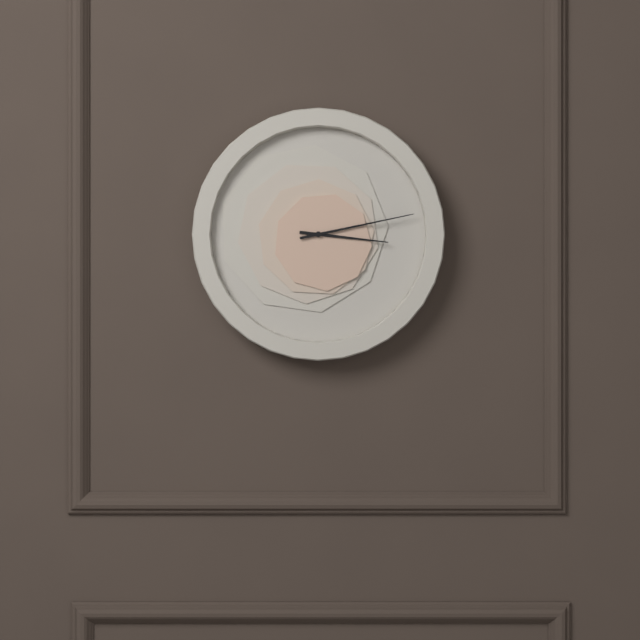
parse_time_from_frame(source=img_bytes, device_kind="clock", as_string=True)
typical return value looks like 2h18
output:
3h13
